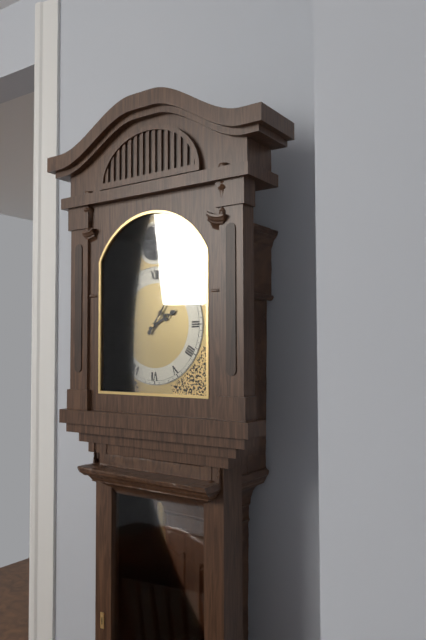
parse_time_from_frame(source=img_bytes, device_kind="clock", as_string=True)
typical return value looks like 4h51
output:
2h06
